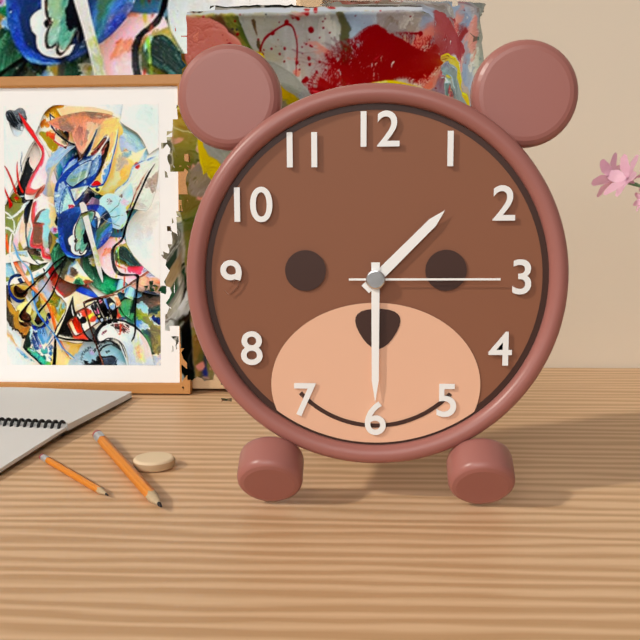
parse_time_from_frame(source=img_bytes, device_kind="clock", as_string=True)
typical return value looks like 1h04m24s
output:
1h30m15s
